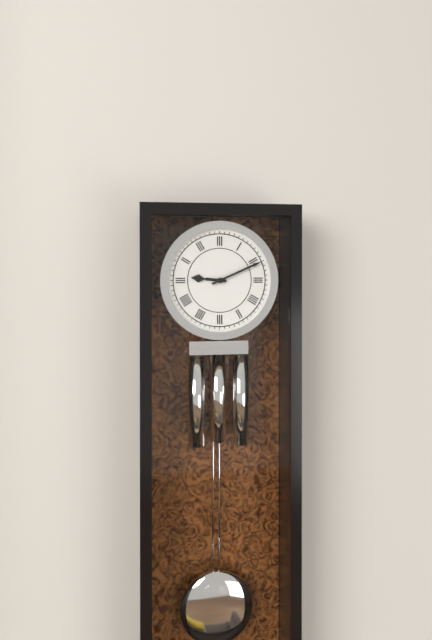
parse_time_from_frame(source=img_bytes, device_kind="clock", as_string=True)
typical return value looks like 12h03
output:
9h11
